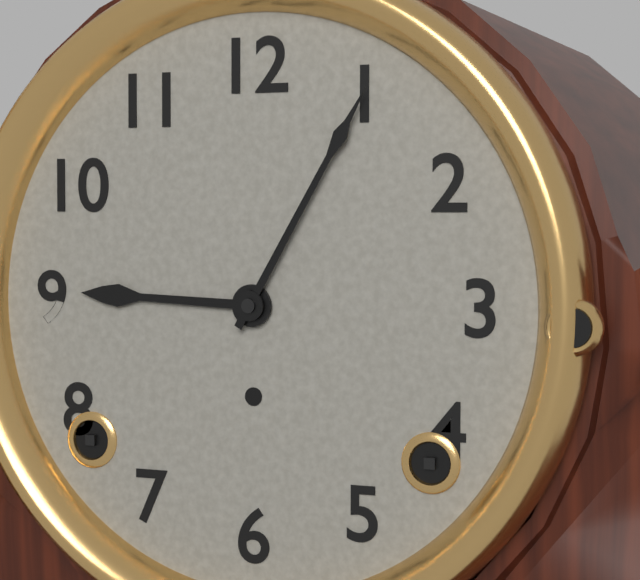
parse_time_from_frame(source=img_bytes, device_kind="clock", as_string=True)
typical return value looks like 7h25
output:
9h05
